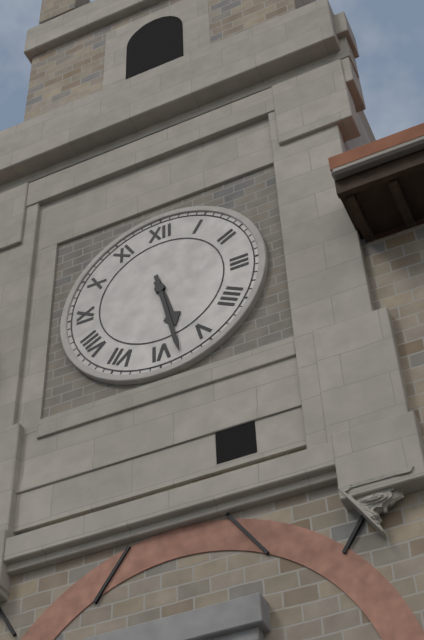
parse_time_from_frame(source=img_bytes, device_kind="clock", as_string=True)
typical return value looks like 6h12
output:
5h28
